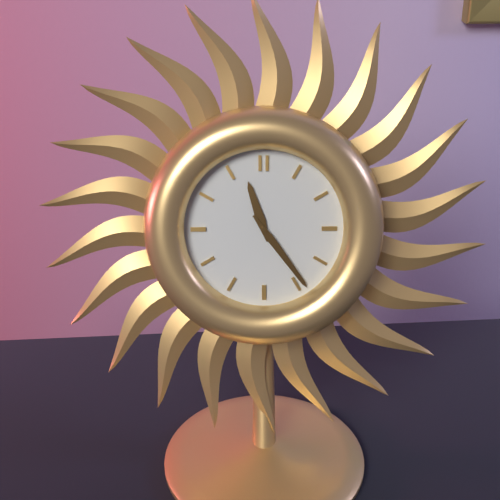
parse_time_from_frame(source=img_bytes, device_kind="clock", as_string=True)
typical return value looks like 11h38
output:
11h24
